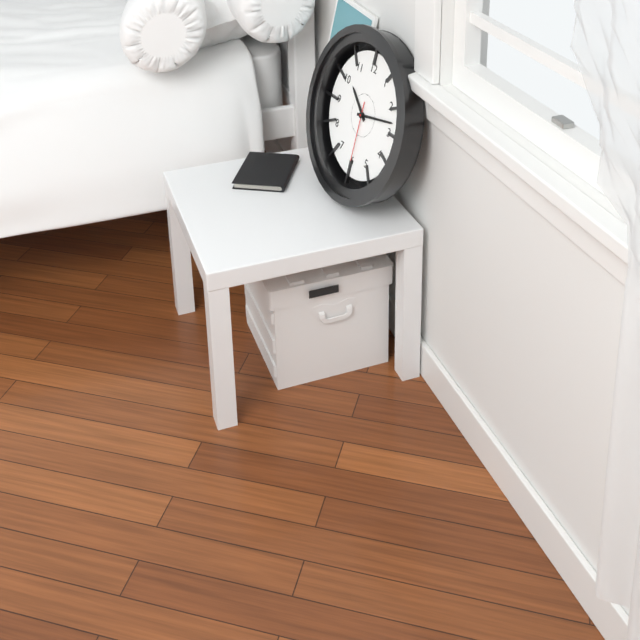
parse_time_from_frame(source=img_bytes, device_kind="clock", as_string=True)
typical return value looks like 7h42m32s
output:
10h13m30s
